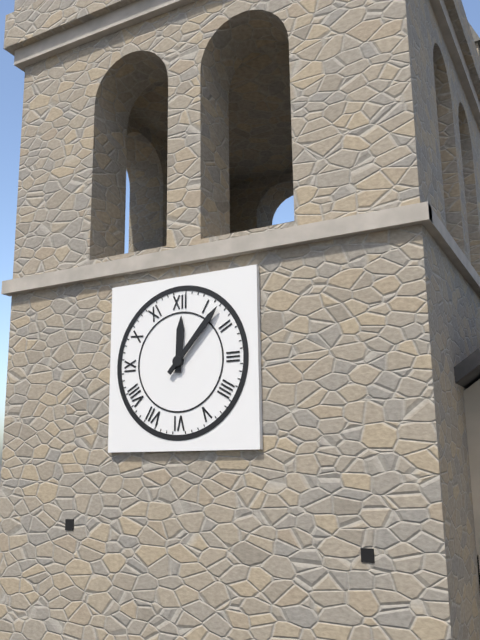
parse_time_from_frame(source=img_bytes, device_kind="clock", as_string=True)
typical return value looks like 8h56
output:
12h07
